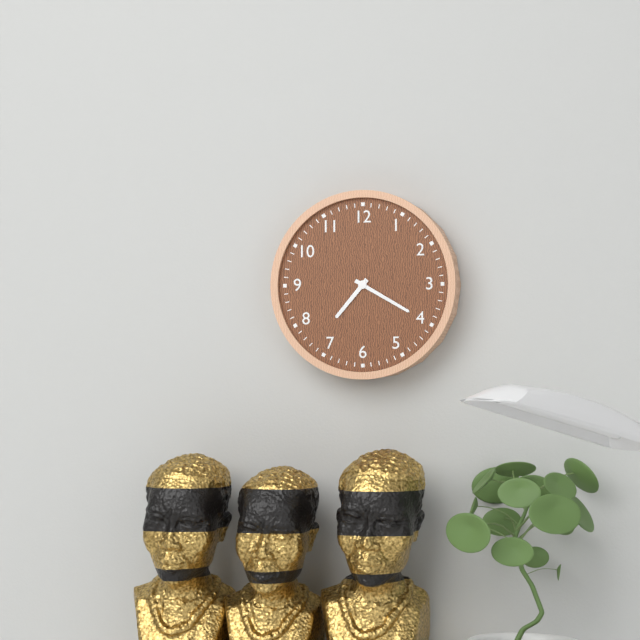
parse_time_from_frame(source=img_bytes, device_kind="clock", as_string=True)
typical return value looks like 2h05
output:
7h20
